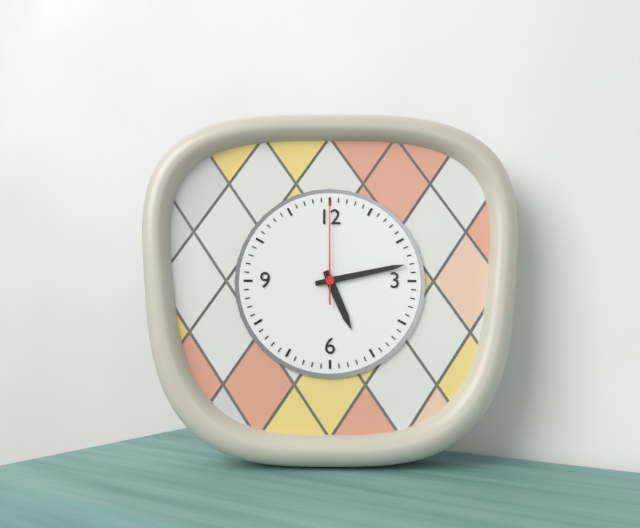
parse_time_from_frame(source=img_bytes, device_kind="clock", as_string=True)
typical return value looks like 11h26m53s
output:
5h13m00s
